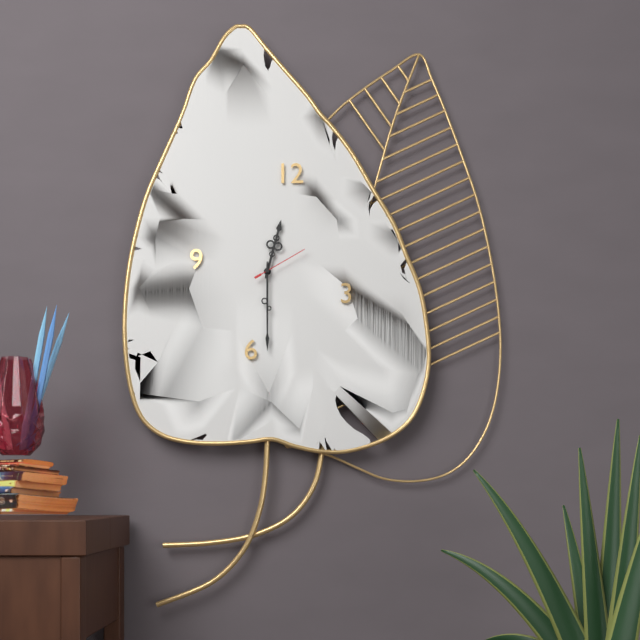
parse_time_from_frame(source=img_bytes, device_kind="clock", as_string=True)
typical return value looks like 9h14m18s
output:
12h30m10s
